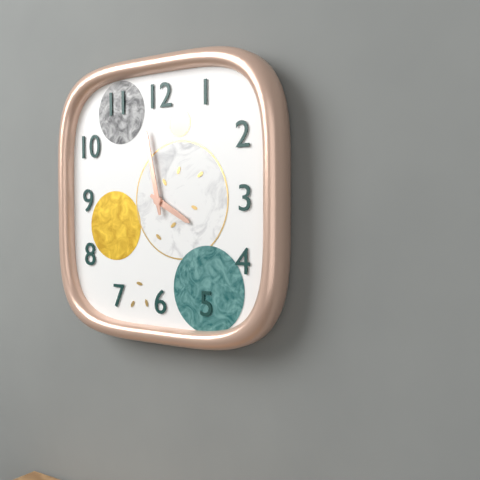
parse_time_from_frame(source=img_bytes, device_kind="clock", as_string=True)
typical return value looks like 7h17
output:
3h58
